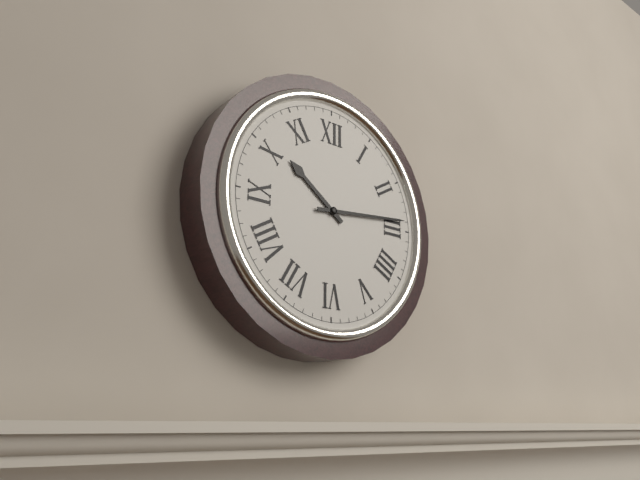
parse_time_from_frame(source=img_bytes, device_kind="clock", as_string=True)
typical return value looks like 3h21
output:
10h14
